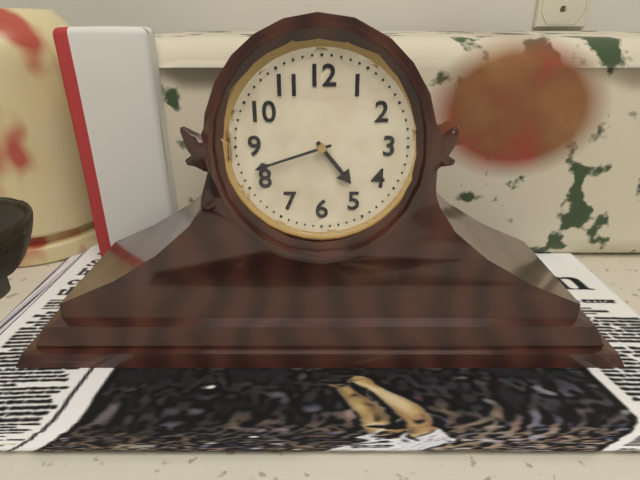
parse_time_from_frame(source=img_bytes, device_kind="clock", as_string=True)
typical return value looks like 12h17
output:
4h42
